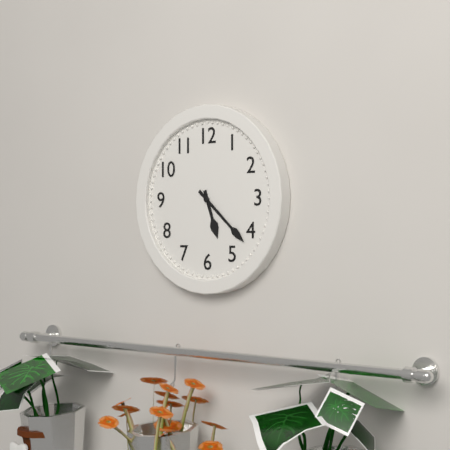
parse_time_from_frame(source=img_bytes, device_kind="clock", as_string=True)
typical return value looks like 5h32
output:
5h22
